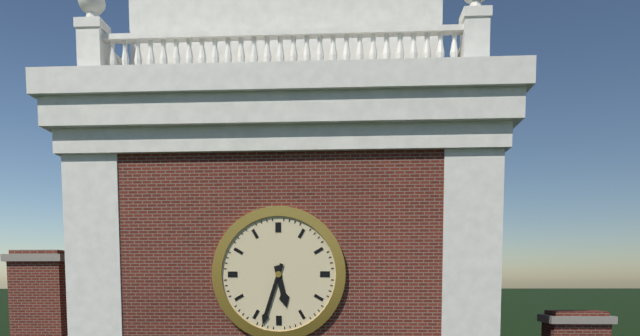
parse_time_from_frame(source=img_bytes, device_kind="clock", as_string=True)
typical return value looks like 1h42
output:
5h33
